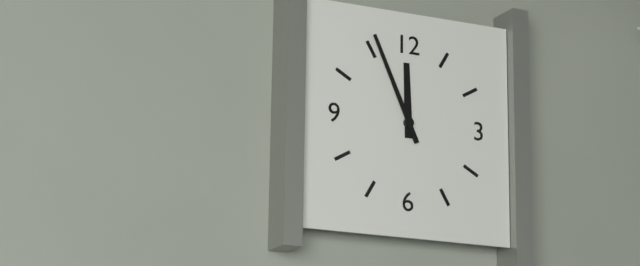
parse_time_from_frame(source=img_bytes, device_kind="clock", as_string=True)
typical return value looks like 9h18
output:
11h56
